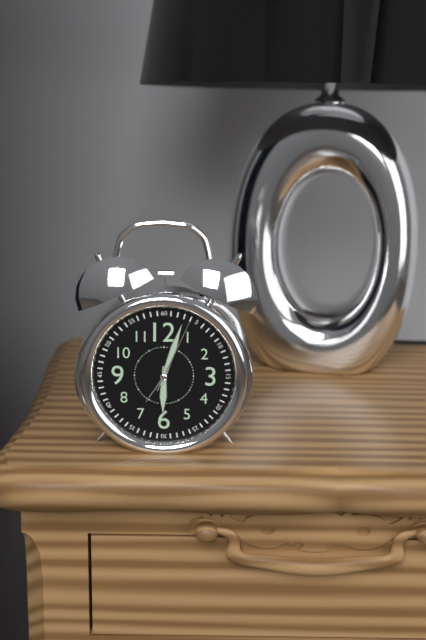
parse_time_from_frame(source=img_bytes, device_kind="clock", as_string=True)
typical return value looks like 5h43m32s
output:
6h03m04s
